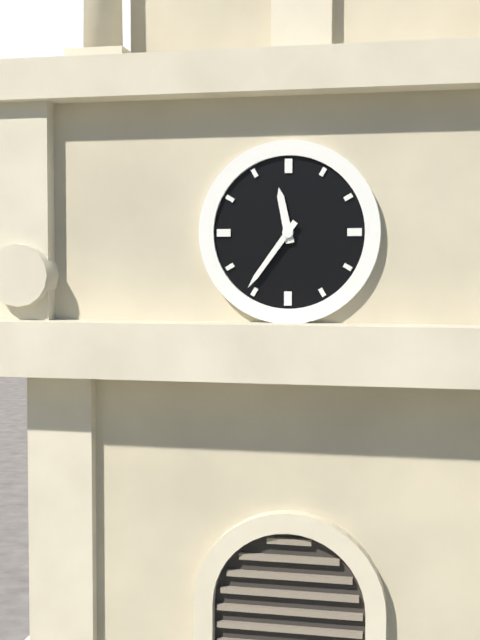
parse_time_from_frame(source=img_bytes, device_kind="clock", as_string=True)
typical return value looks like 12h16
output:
11h36
